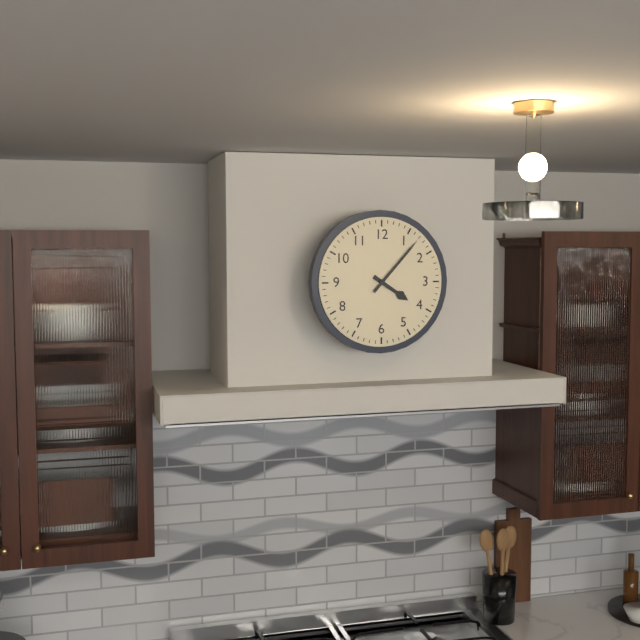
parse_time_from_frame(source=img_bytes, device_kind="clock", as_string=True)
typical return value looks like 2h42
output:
4h07
